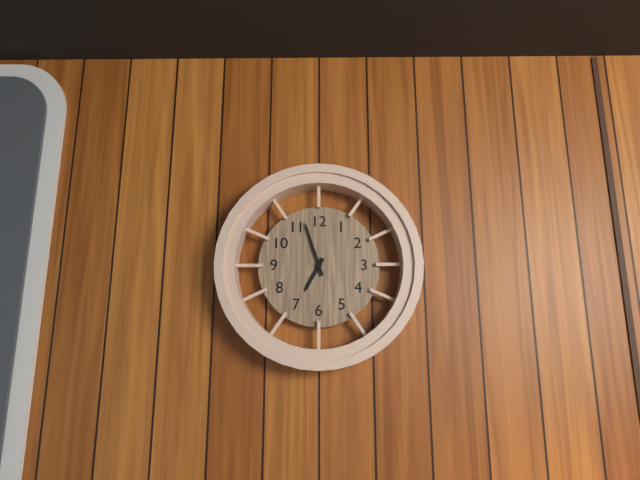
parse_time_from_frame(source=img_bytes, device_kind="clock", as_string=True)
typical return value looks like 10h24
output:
6h57
